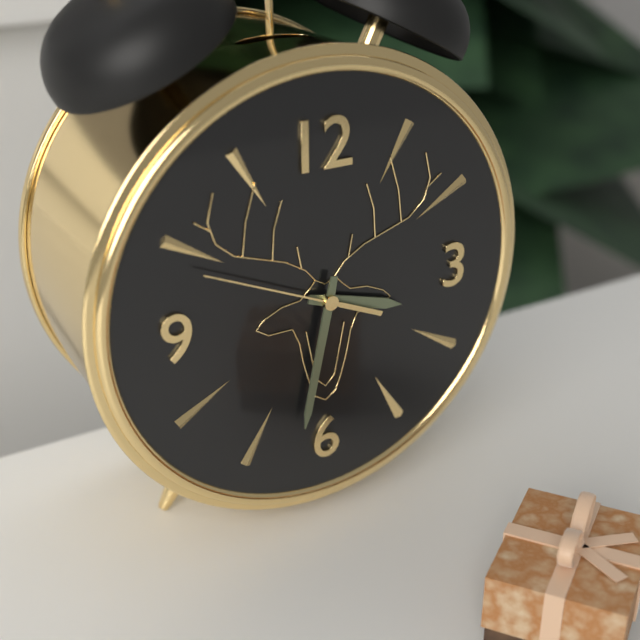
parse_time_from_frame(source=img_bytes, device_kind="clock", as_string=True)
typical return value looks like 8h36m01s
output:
3h32m49s
